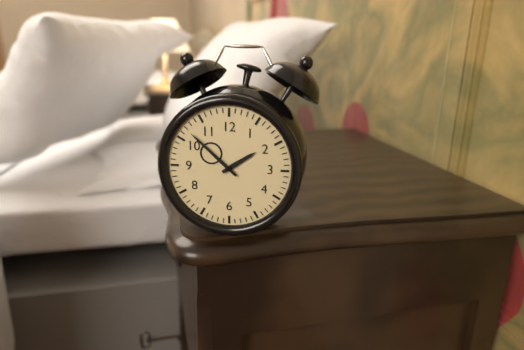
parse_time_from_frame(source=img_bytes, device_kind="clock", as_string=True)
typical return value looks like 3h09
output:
1h52
